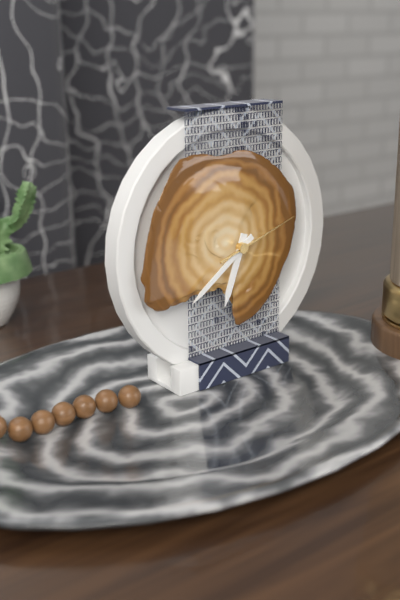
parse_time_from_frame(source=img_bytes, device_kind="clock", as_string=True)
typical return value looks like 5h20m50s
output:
6h39m12s
